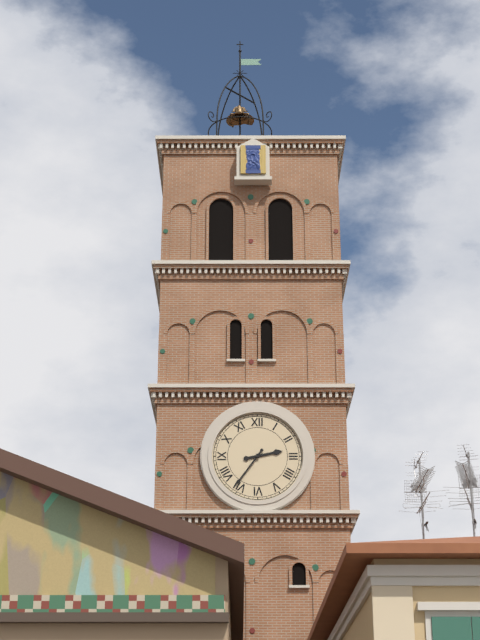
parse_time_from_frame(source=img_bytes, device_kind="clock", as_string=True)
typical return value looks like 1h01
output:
2h36
